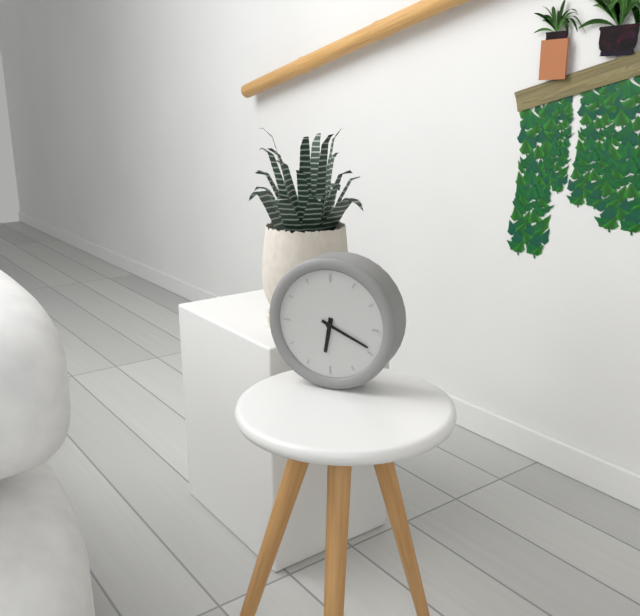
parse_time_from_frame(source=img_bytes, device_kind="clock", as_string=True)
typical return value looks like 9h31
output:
6h19
